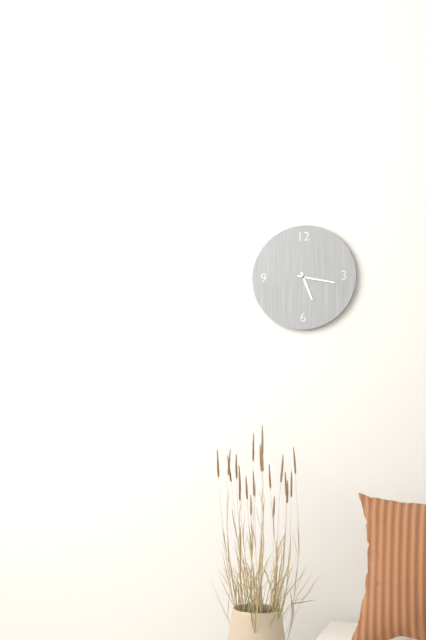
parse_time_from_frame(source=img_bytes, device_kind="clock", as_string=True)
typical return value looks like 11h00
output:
5h17
